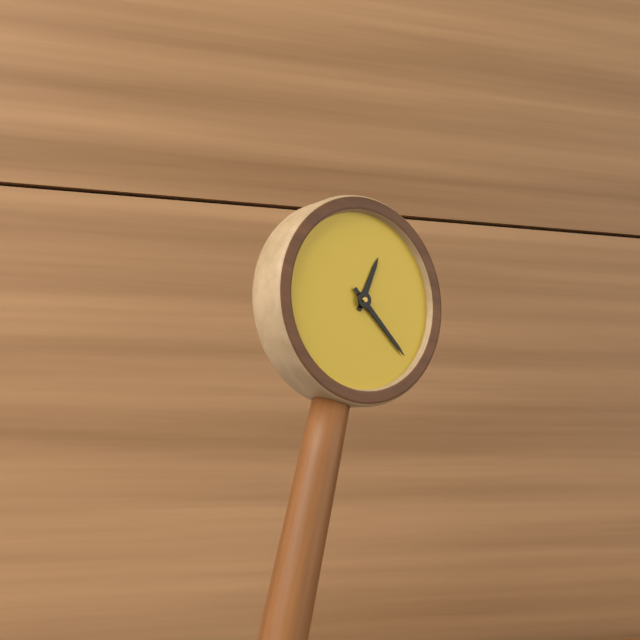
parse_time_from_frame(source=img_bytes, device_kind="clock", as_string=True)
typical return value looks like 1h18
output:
12h20
